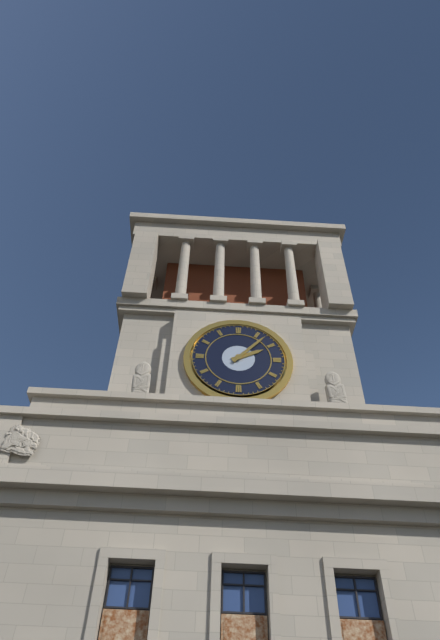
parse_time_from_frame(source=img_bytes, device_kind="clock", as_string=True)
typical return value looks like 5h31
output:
2h07
